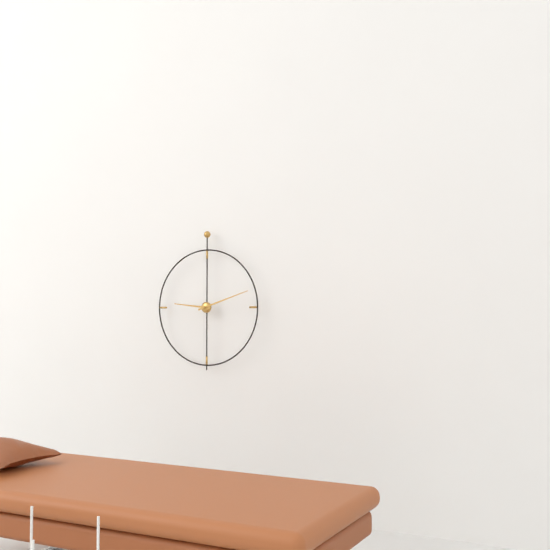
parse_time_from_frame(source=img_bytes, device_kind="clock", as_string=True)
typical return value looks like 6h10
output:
9h12
